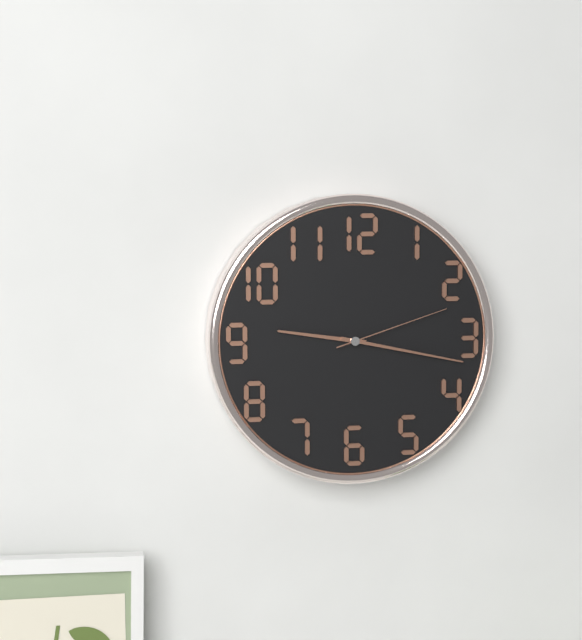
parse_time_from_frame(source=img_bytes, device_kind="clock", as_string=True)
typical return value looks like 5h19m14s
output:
9h17m12s
